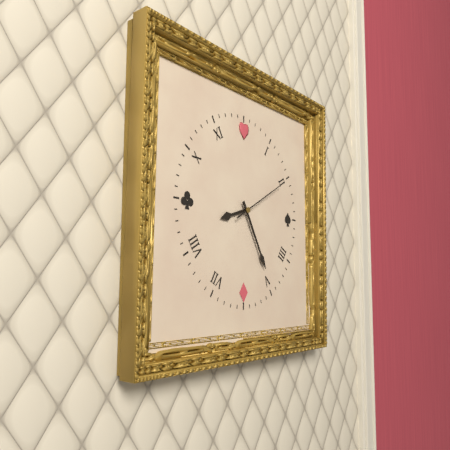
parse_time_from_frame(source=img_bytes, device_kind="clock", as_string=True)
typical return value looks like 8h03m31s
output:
8h25m10s
